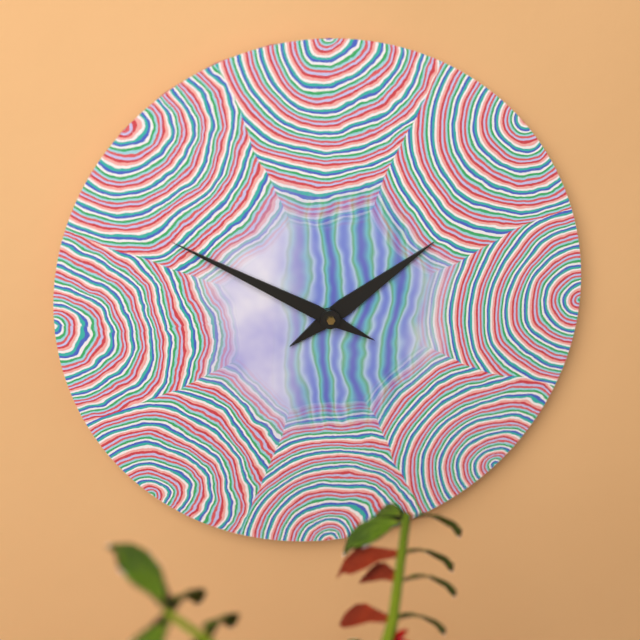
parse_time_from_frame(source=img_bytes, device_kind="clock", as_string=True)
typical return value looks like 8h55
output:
1h50
